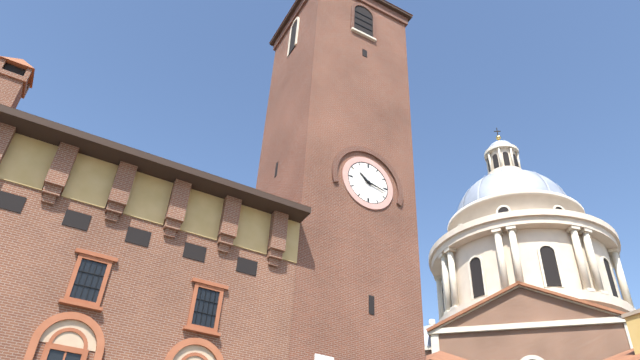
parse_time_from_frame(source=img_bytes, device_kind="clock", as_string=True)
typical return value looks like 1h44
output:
10h17
